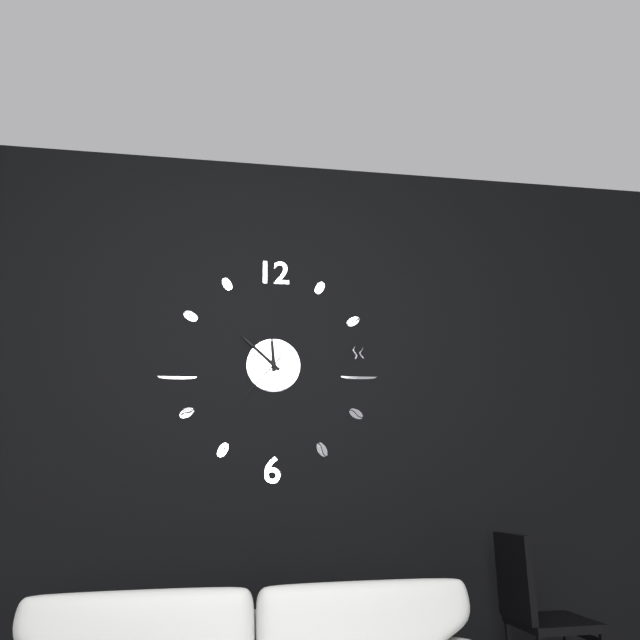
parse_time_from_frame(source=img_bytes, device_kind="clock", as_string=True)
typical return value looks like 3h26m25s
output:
11h52m37s
